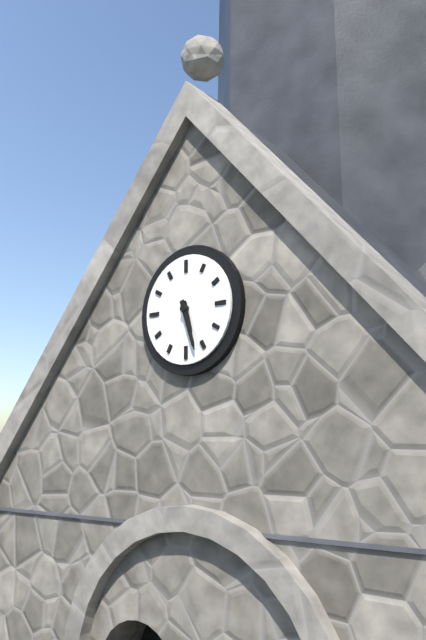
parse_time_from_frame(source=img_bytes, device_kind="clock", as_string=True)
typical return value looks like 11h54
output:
5h27
